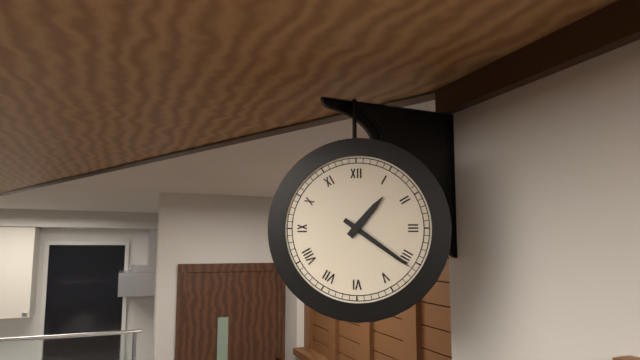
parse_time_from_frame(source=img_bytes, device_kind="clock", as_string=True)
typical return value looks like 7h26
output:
1h21
